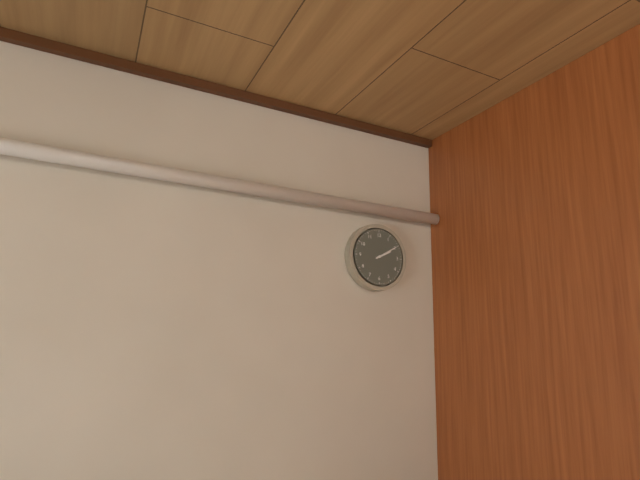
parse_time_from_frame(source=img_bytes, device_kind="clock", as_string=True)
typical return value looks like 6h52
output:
2h10
